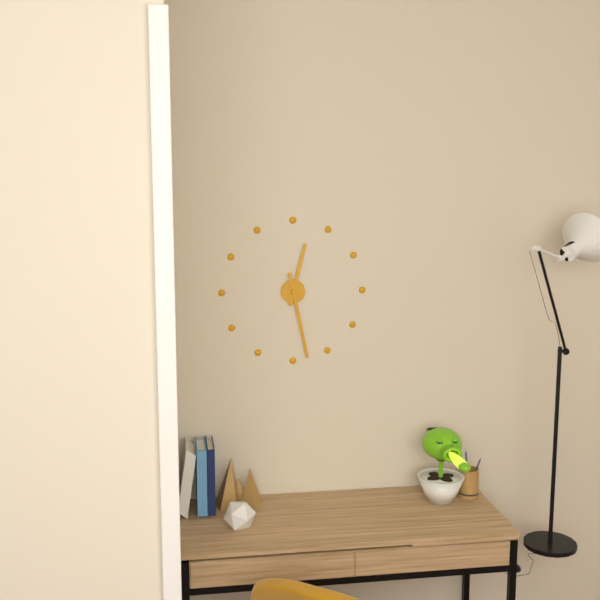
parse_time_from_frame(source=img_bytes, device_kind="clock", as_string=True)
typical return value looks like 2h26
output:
12h28
